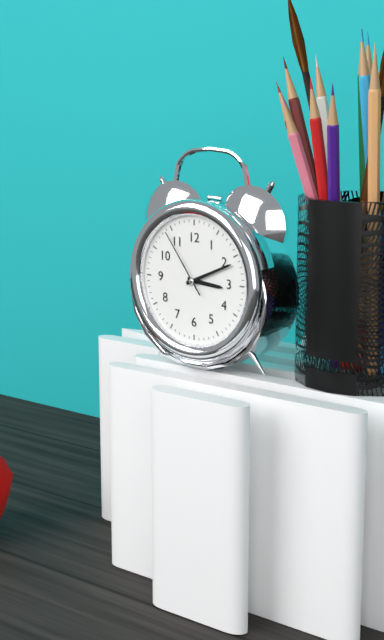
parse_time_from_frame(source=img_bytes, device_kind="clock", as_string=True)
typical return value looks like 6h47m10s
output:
3h11m54s
